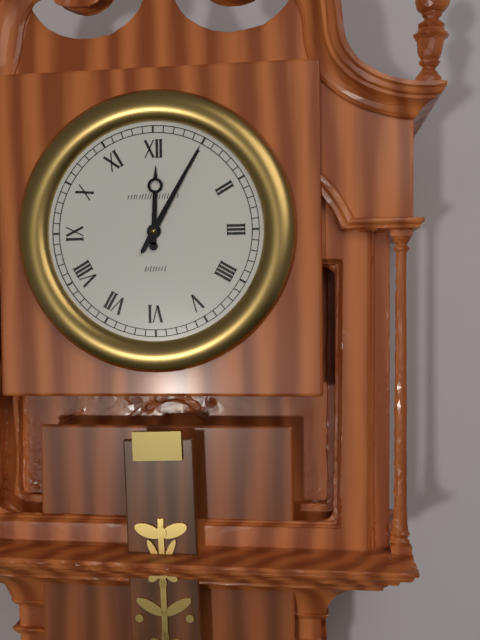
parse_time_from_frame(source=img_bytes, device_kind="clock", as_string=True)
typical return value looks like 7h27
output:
12h05
